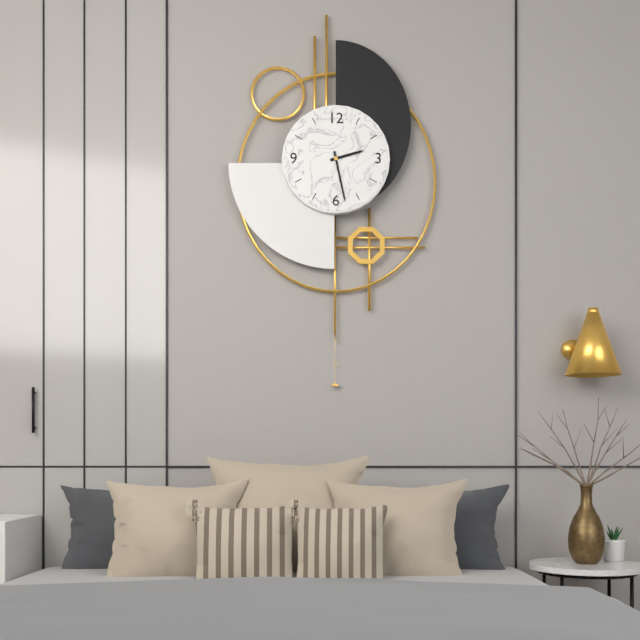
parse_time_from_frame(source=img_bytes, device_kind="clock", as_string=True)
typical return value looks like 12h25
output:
2h28
